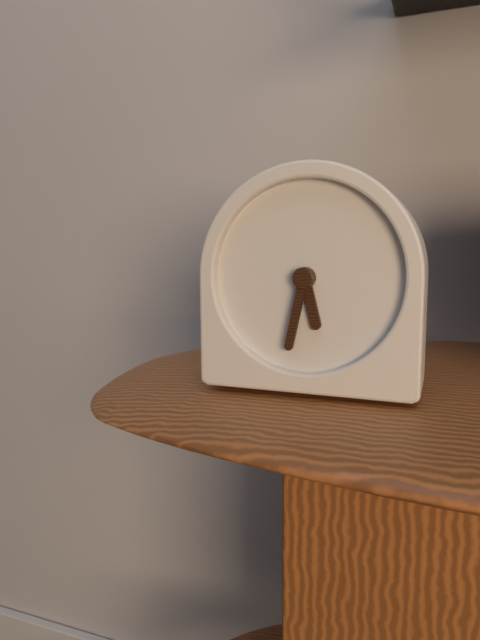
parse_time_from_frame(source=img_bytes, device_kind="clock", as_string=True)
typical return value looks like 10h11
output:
5h32
